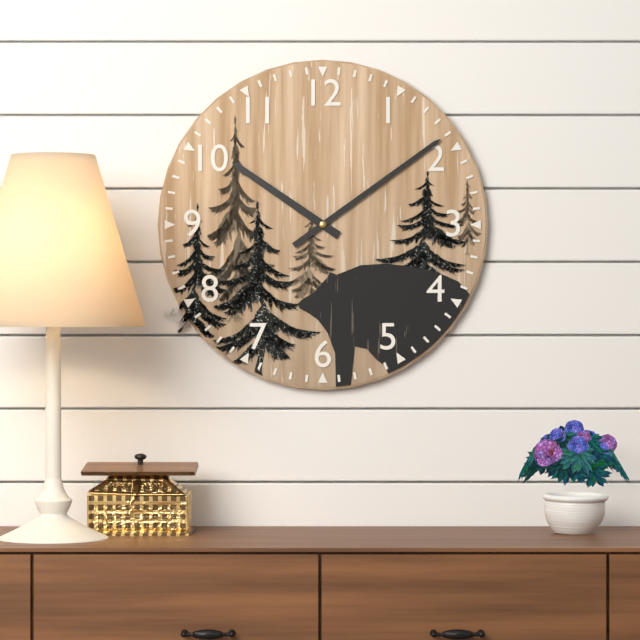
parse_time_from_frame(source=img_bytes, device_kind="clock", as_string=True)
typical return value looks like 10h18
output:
10h09
